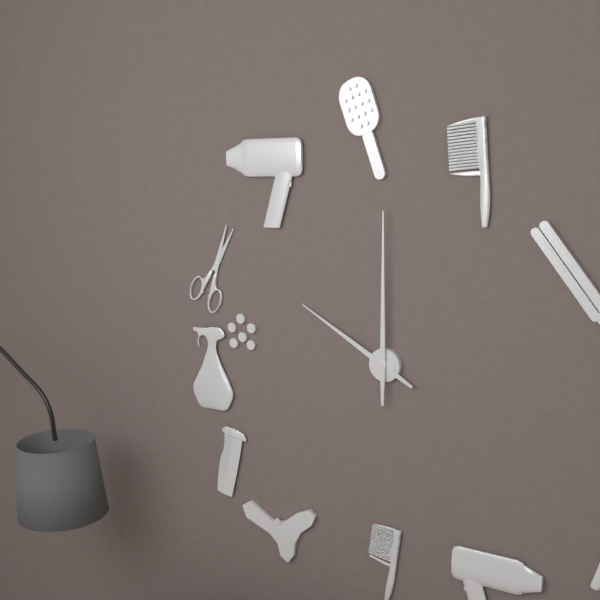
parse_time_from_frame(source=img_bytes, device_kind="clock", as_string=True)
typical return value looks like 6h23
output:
10h00
